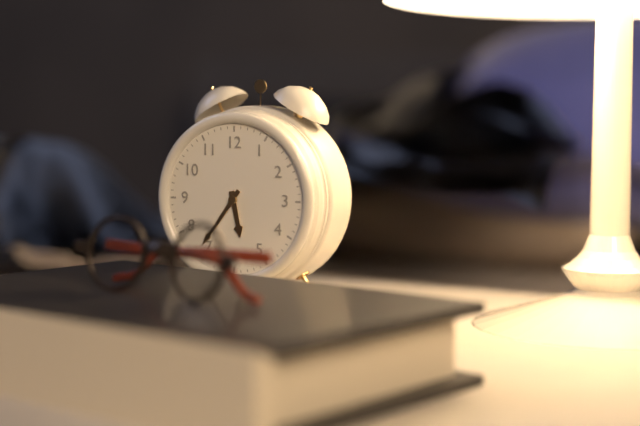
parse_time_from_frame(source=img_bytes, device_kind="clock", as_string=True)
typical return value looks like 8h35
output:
5h36
